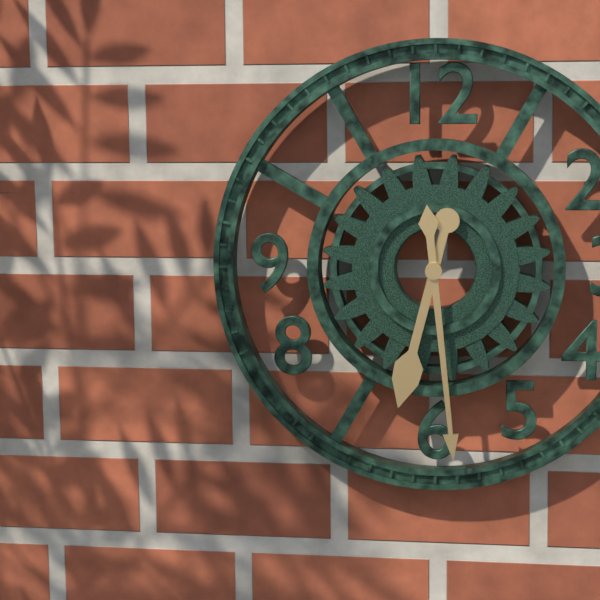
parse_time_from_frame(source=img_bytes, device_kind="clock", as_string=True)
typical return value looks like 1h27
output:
6h29
